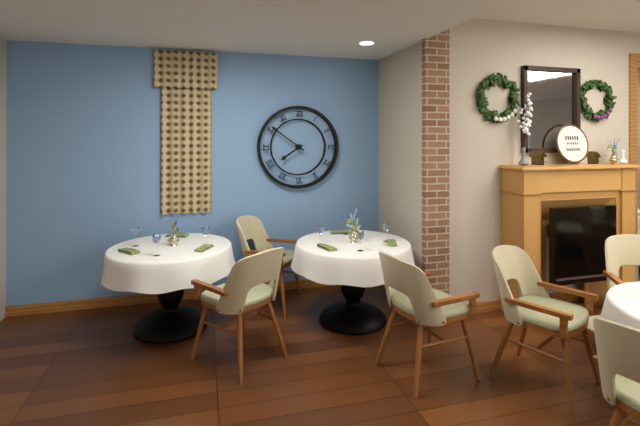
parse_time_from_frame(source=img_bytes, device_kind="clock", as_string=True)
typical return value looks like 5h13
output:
7h51
